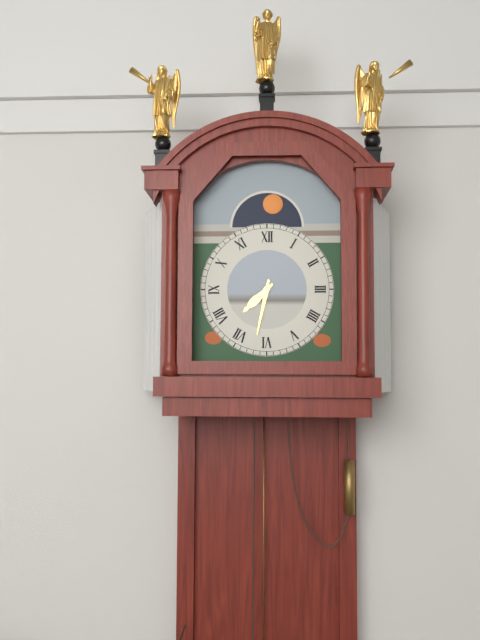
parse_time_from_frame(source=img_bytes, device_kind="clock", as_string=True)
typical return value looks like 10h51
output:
7h32
